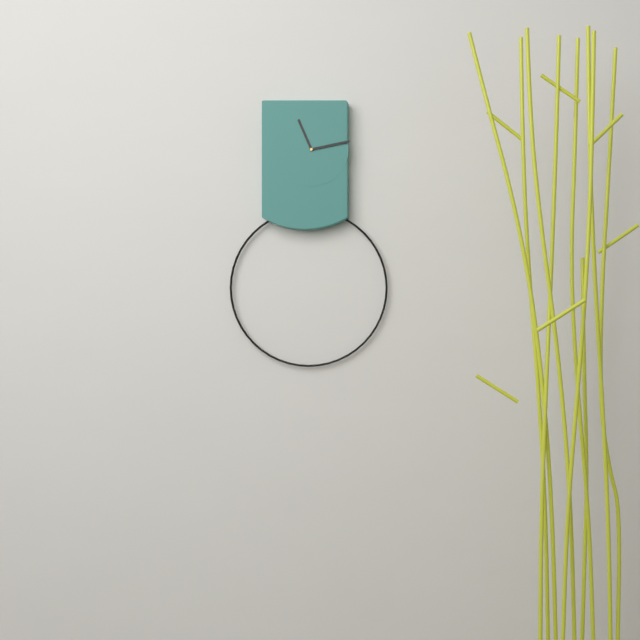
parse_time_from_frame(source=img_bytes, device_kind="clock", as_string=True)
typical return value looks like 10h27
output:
11h13
